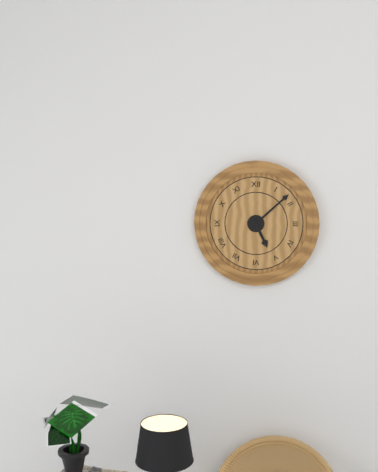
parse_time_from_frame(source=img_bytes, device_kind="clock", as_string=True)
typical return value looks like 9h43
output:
5h08
